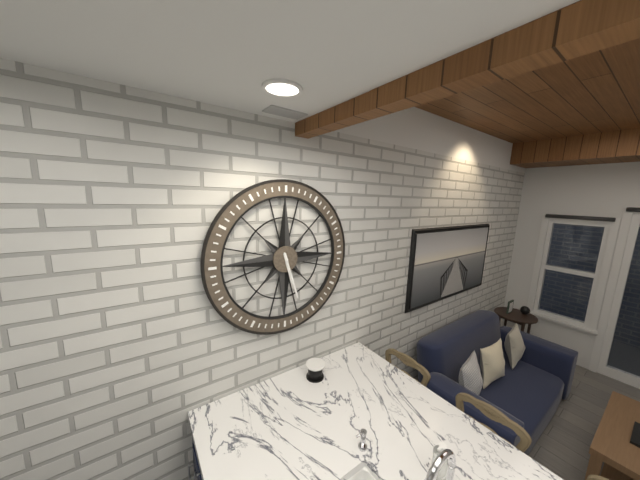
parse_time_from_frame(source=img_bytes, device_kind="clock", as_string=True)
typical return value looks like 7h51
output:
5h27
